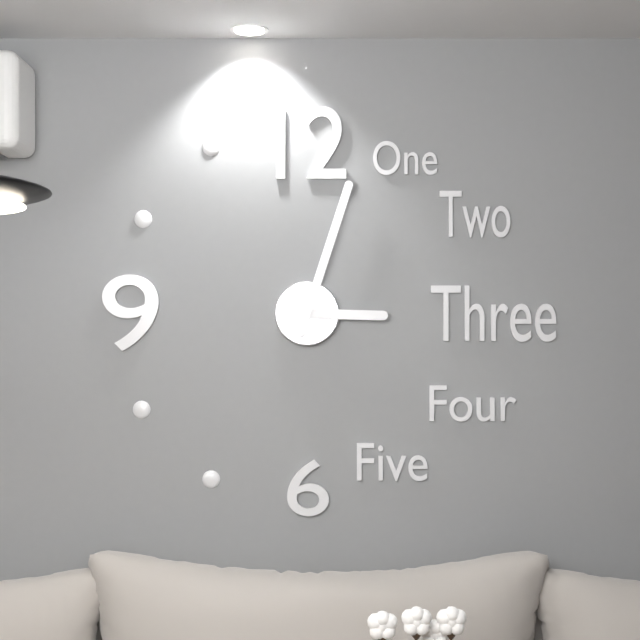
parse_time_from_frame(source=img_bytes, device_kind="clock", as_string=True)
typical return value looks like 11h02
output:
3h03
